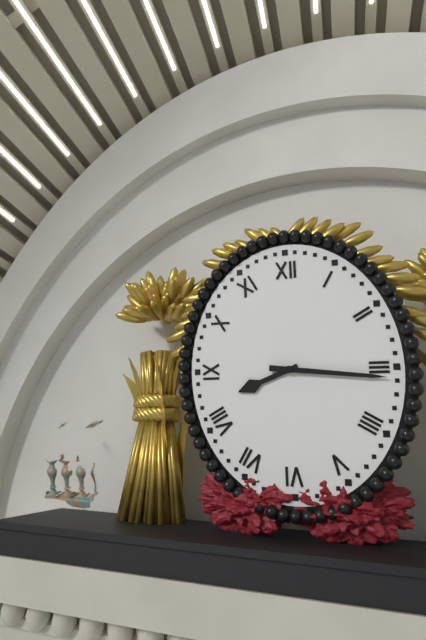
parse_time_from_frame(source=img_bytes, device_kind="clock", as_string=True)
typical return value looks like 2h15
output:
8h16
